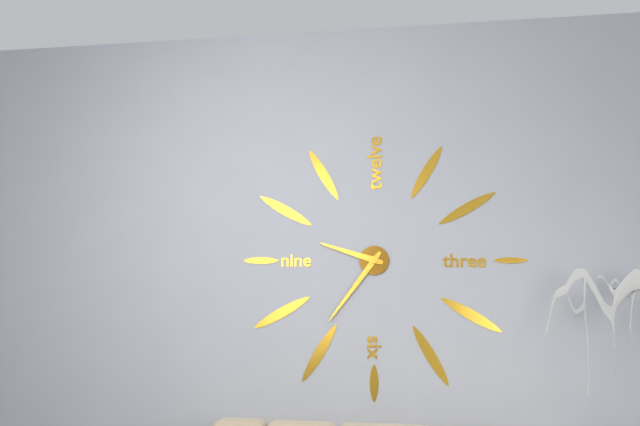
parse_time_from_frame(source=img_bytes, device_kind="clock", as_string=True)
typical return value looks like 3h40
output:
9h36
